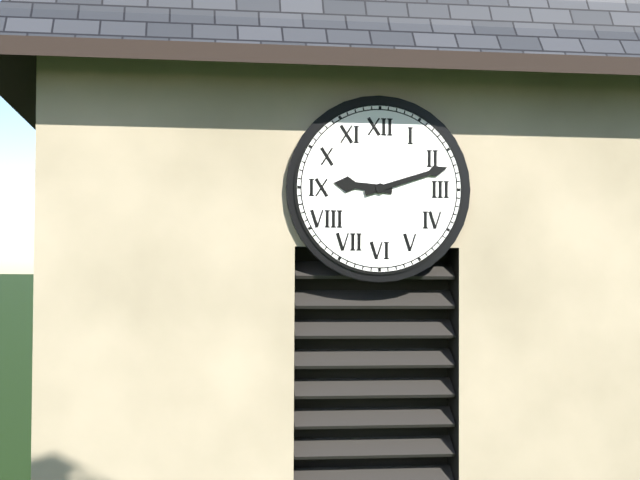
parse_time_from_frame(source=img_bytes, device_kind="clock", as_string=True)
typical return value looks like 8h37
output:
9h12
